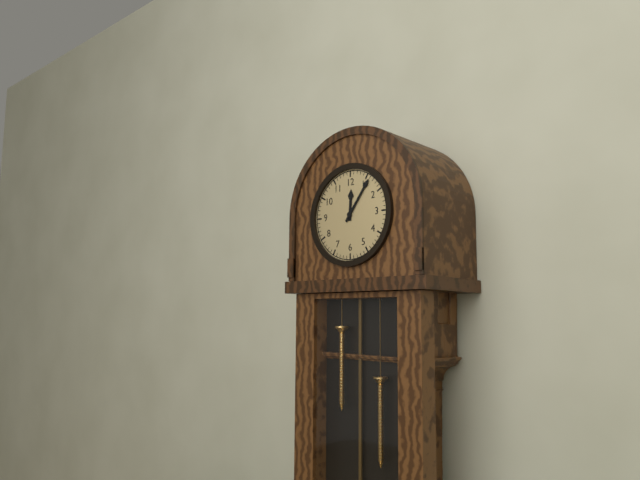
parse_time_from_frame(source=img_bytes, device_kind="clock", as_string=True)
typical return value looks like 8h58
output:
12h06
